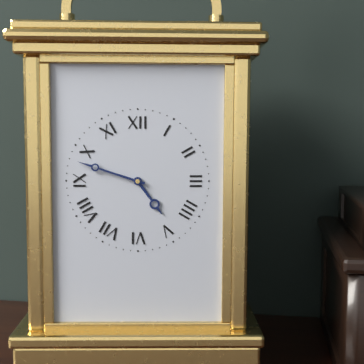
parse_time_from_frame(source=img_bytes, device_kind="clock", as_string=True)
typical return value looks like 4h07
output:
4h48
